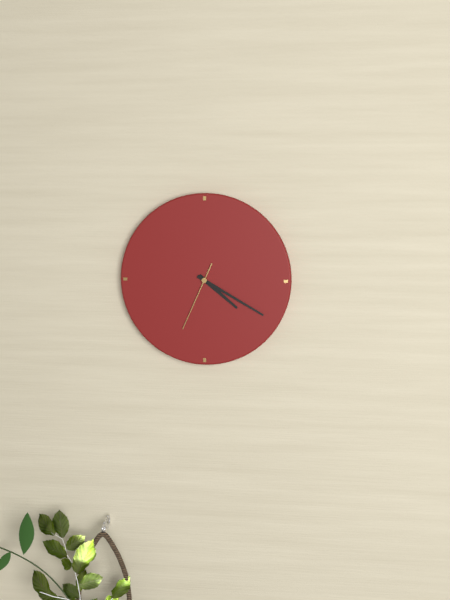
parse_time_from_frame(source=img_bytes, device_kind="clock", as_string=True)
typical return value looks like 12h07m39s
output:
4h20m34s
